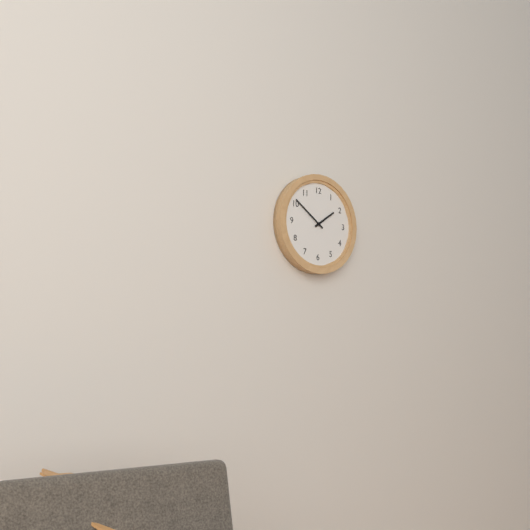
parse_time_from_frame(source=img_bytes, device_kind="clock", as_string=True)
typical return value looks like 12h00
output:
1h51
